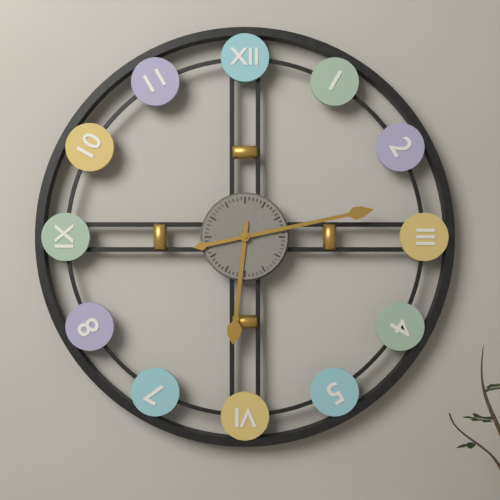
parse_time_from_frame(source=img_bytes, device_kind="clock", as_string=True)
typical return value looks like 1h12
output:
6h13
